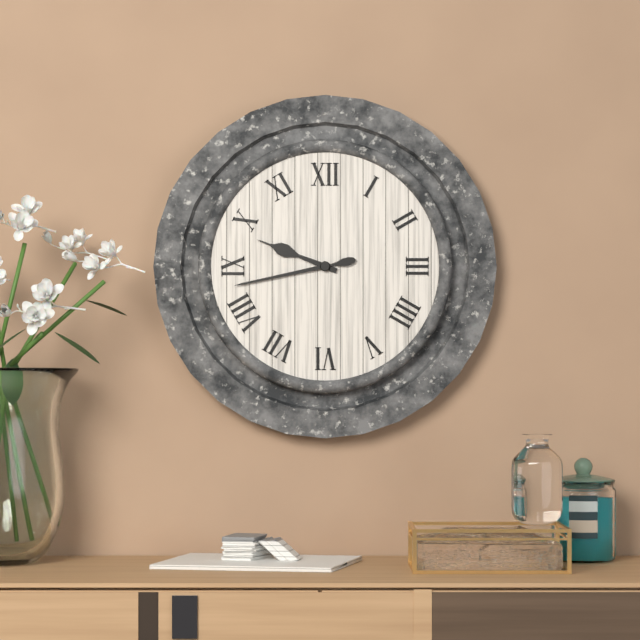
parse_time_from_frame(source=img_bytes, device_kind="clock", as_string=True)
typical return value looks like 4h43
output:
9h43
